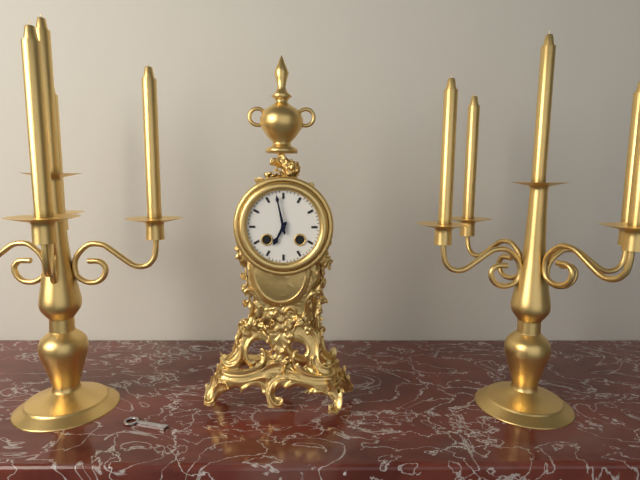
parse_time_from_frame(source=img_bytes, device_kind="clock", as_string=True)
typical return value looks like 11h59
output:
6h58
